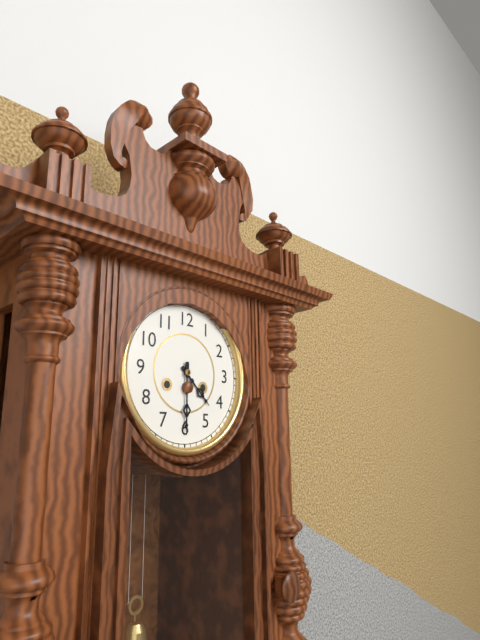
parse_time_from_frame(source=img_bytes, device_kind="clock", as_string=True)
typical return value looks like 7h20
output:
4h30
